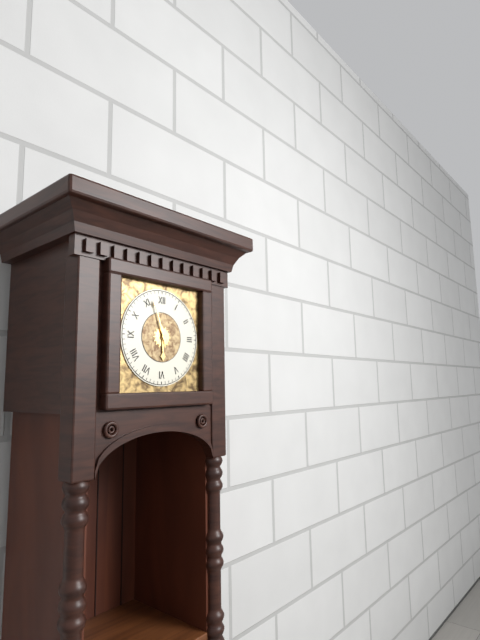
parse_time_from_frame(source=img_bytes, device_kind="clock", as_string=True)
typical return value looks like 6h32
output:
5h57
